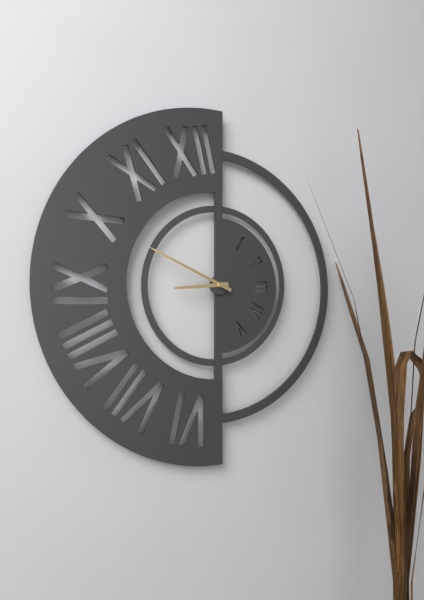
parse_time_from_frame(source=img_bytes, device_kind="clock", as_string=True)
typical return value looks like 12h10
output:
8h49
